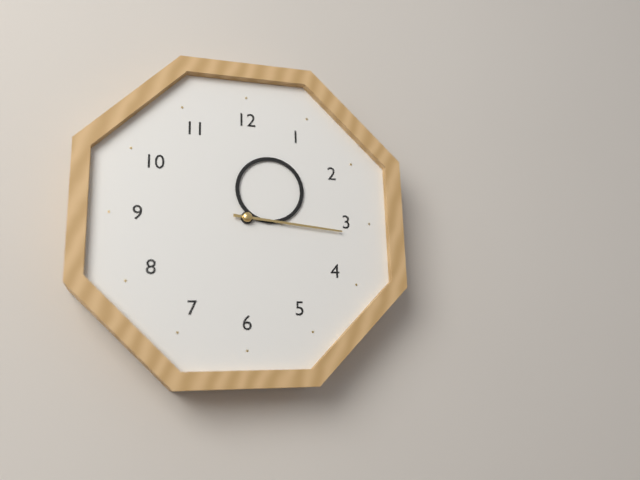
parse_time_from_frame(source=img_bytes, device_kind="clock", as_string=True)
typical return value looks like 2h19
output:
1h16
